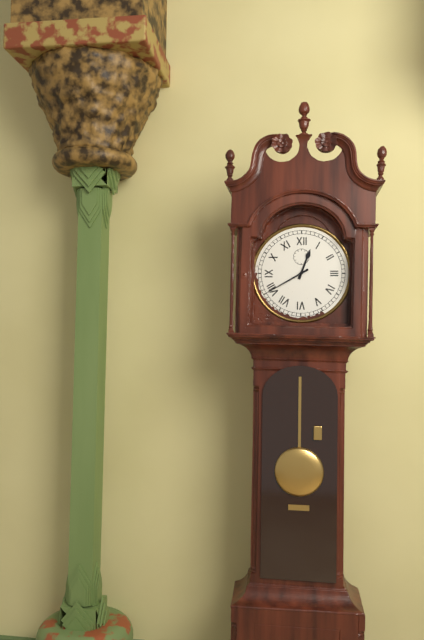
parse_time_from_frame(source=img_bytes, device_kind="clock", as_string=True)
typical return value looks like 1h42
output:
12h40
